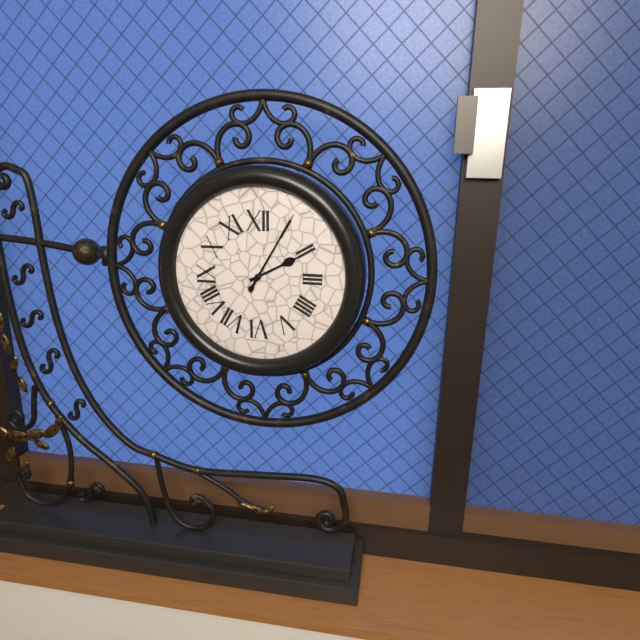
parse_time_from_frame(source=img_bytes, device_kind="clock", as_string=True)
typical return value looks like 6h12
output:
2h05
